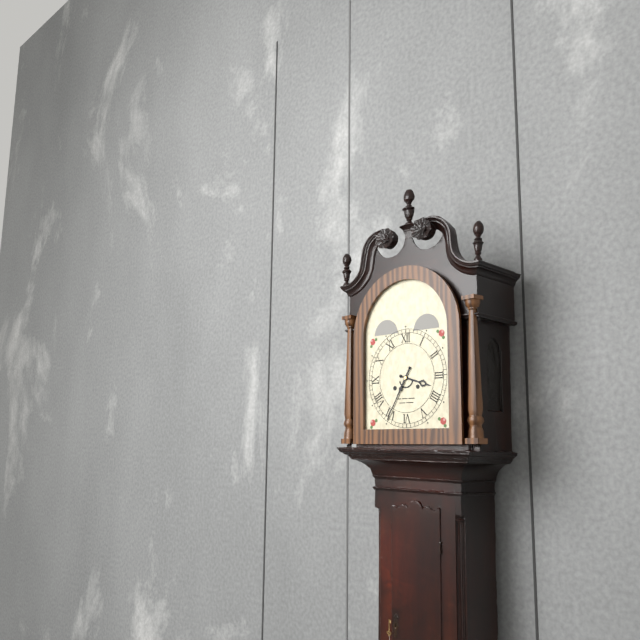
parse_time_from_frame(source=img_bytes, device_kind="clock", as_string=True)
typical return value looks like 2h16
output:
3h35
